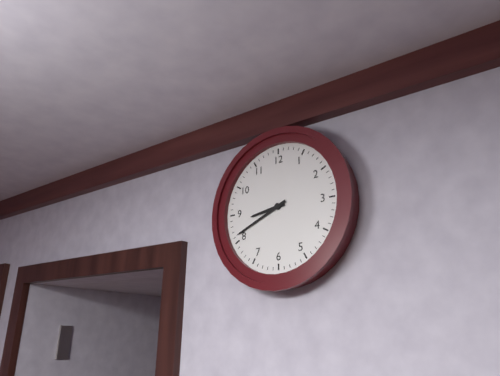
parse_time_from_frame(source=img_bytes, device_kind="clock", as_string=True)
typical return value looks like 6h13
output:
8h41
